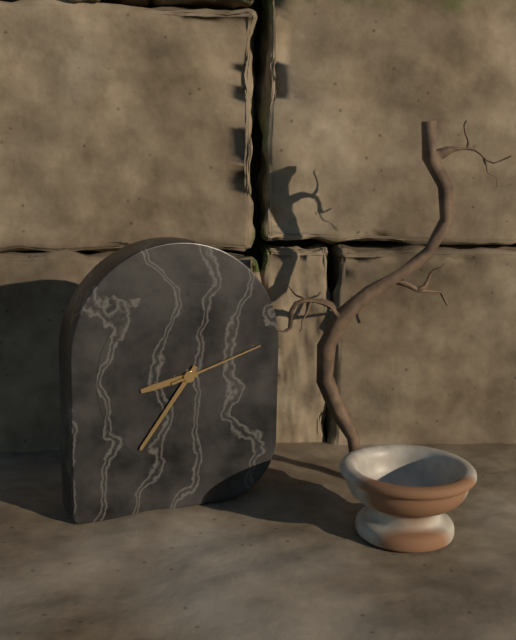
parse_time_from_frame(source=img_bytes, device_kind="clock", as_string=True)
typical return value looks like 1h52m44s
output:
8h36m12s
